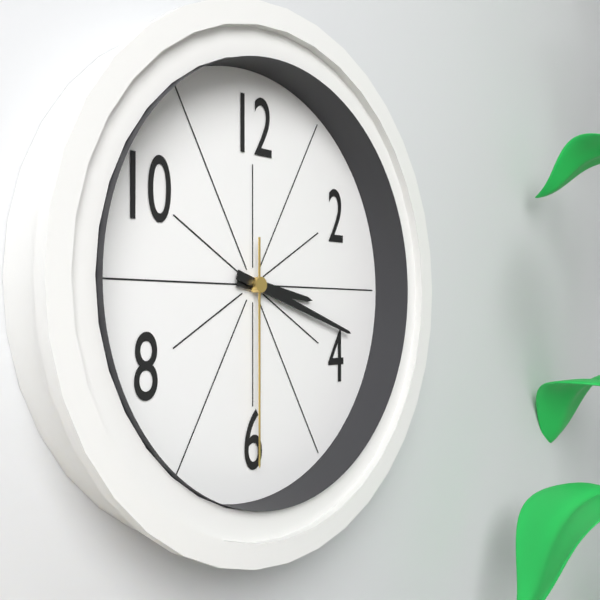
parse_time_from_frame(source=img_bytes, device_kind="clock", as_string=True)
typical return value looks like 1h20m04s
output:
3h18m30s
